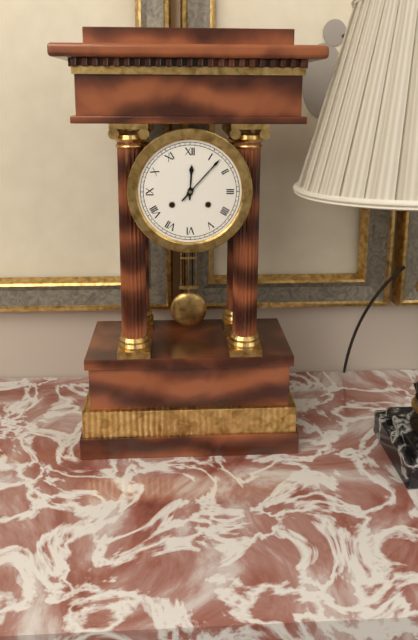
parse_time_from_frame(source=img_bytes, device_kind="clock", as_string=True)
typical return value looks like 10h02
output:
12h07
